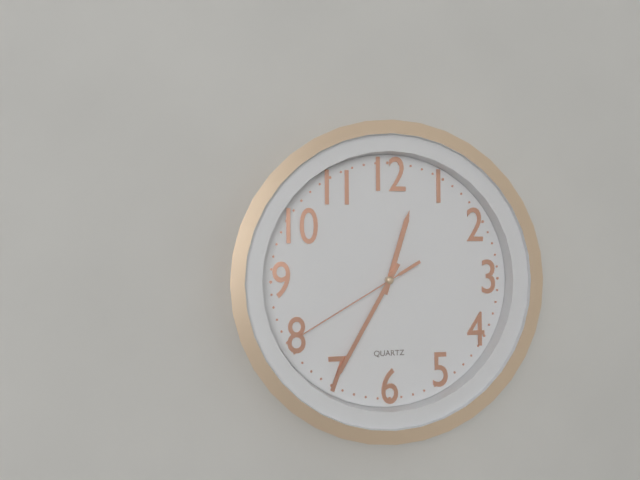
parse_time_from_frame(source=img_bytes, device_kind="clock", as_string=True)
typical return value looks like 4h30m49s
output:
12h35m40s
